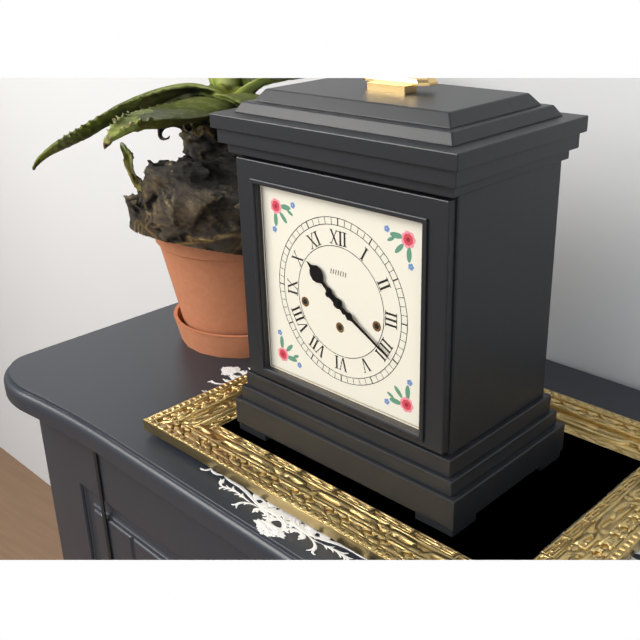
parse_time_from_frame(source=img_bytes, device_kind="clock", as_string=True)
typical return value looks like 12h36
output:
10h20
